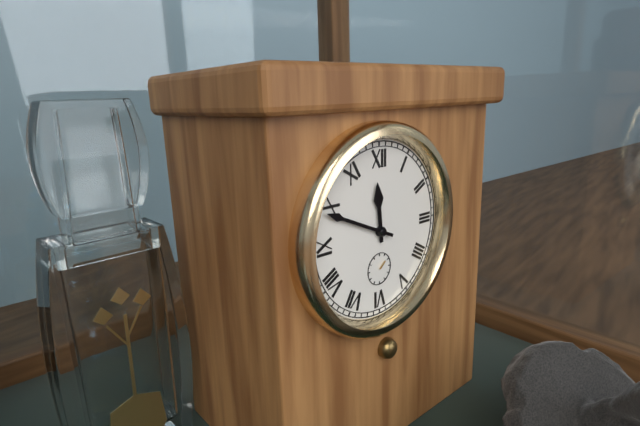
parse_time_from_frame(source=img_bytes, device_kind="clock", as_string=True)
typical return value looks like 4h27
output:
11h49
